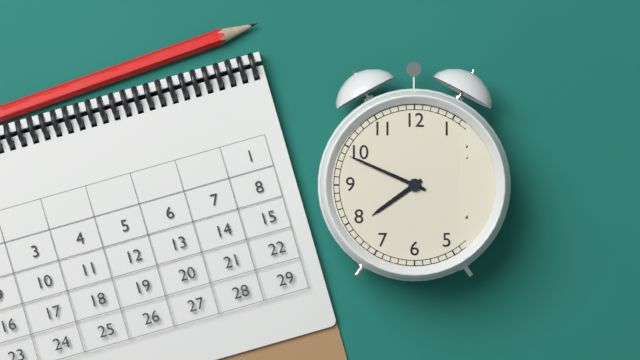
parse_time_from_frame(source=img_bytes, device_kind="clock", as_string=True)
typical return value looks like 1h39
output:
7h49
